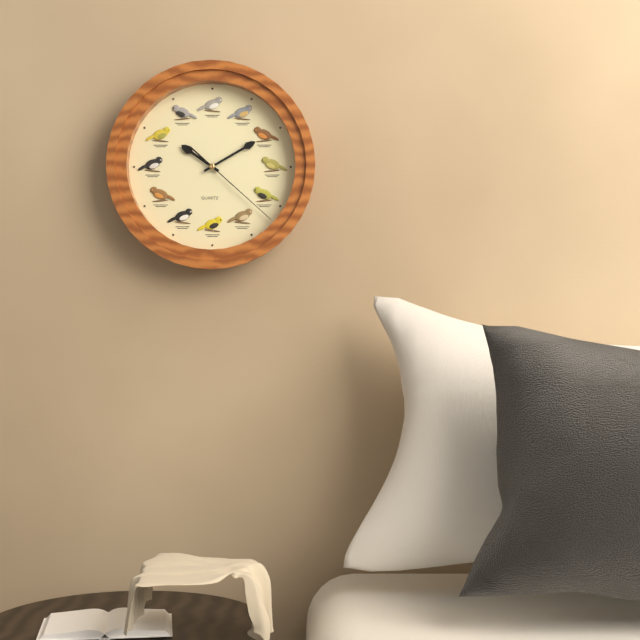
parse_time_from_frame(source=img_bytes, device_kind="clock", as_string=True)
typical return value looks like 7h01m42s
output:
10h10m22s
